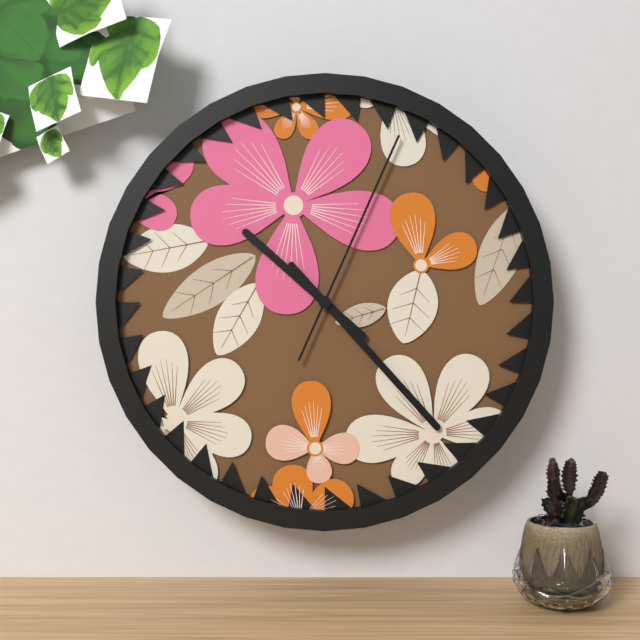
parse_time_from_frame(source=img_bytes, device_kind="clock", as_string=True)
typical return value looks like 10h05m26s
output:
10h23m04s
